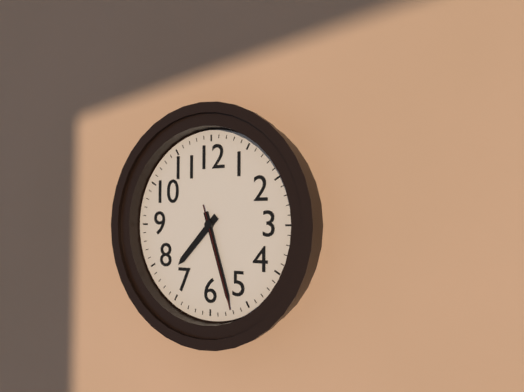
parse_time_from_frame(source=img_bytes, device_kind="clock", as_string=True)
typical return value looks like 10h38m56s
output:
7h27m27s
